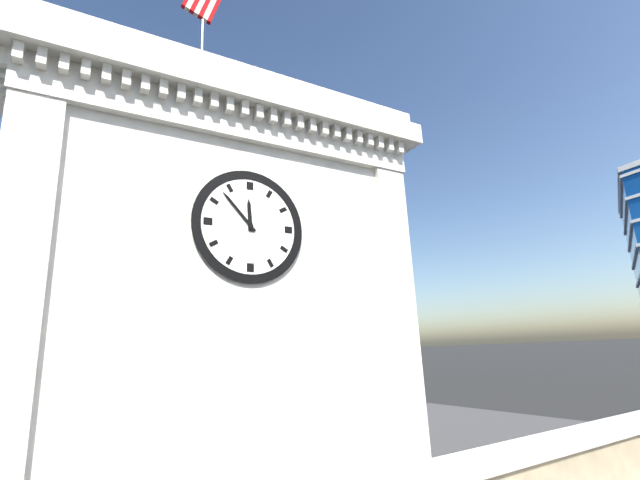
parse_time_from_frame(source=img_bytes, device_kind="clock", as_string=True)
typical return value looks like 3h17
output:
11h53
